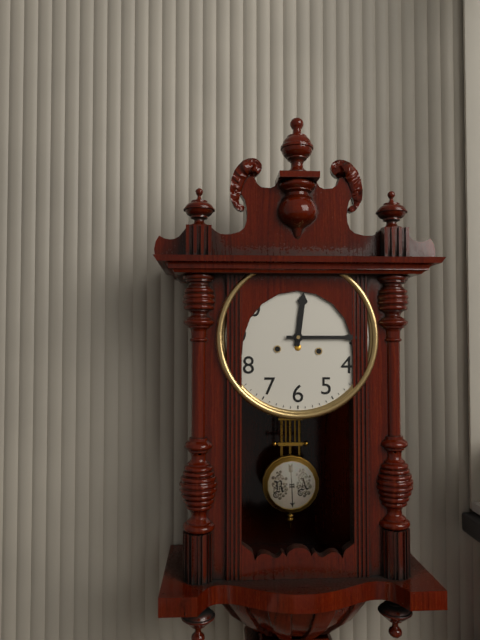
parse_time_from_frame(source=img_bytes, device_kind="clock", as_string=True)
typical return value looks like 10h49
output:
12h15
